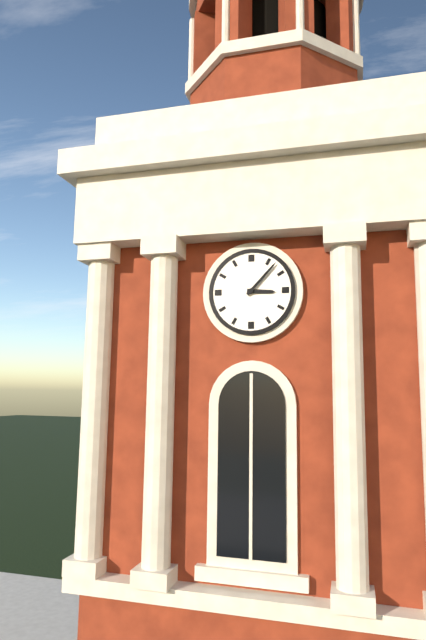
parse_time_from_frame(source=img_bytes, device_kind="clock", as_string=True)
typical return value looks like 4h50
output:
3h07
